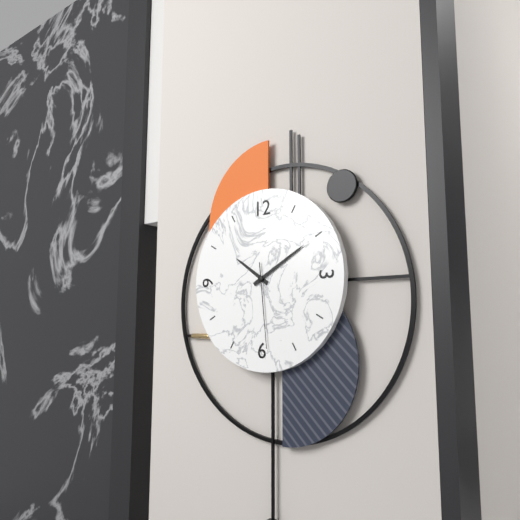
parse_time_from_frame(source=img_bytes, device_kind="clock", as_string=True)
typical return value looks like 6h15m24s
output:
10h10m29s
